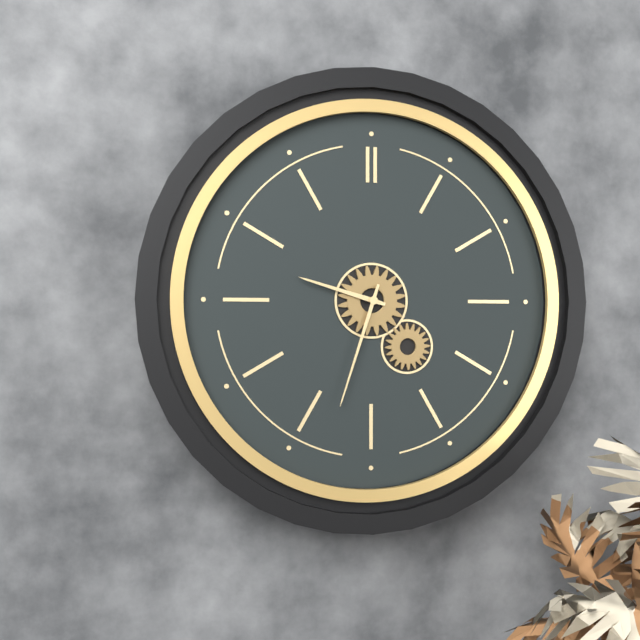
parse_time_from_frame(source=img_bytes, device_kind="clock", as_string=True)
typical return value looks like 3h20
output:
9h33
